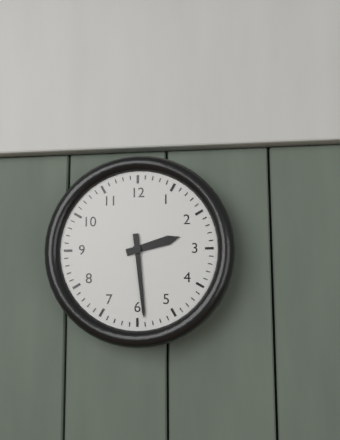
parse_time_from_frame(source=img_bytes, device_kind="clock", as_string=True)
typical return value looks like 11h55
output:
2h29
